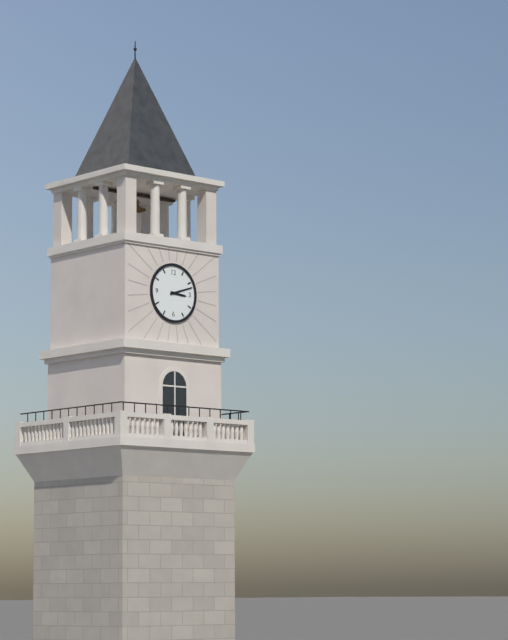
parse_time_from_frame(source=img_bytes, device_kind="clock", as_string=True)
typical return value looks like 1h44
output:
3h12
